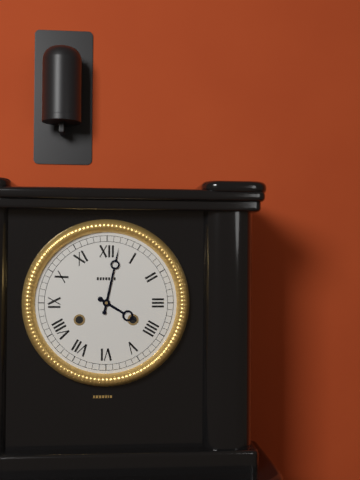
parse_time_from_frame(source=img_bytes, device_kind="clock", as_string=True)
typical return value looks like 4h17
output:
4h02
